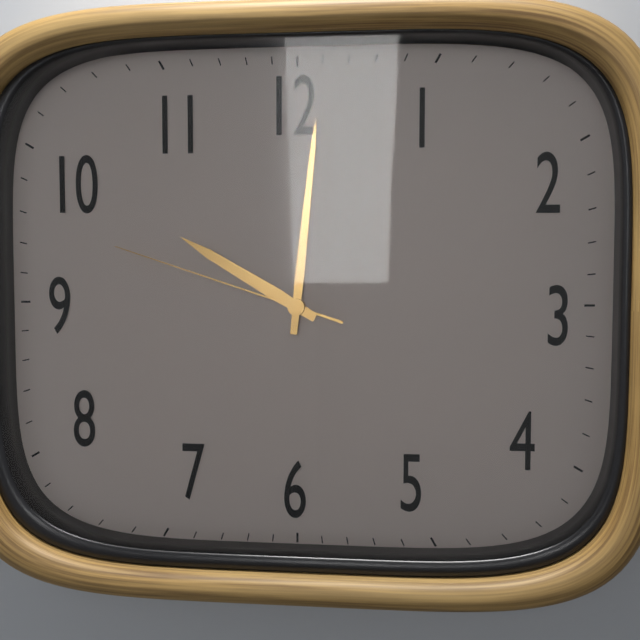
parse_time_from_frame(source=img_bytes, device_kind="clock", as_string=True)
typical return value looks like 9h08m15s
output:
10h01m48s
